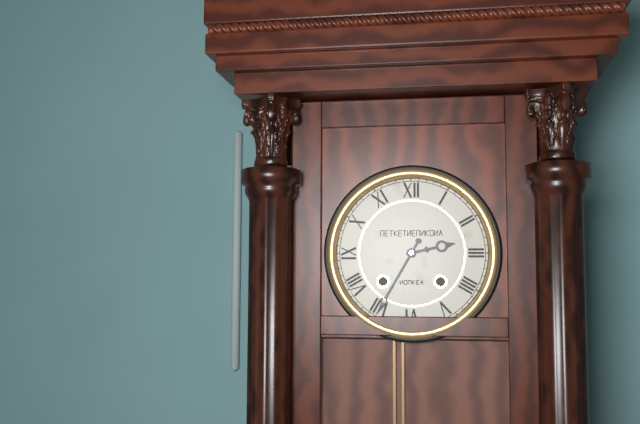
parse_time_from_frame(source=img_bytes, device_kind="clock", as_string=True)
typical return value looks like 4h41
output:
2h35
